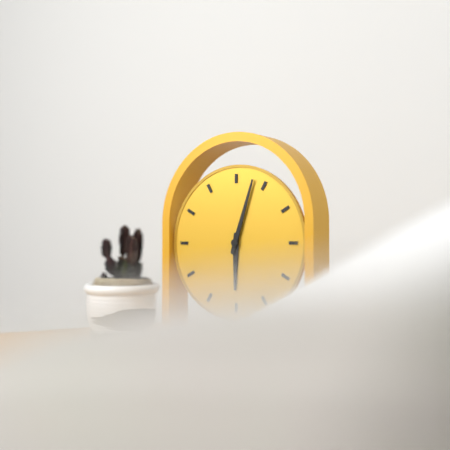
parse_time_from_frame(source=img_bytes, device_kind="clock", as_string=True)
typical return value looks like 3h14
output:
6h03
